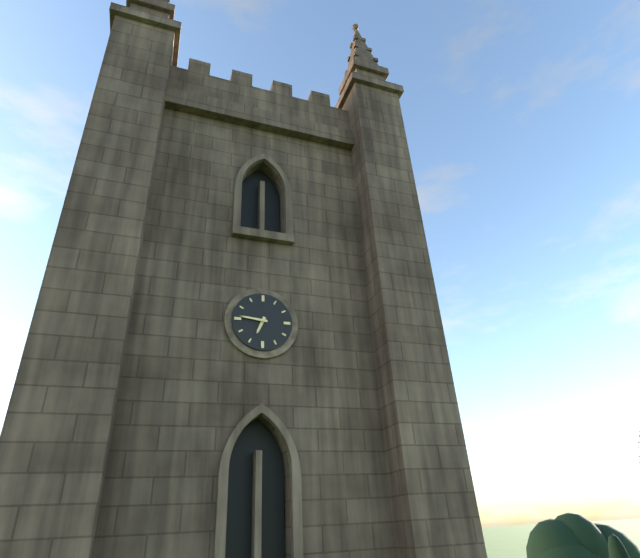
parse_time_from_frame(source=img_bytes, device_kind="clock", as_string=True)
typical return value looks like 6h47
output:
6h46
